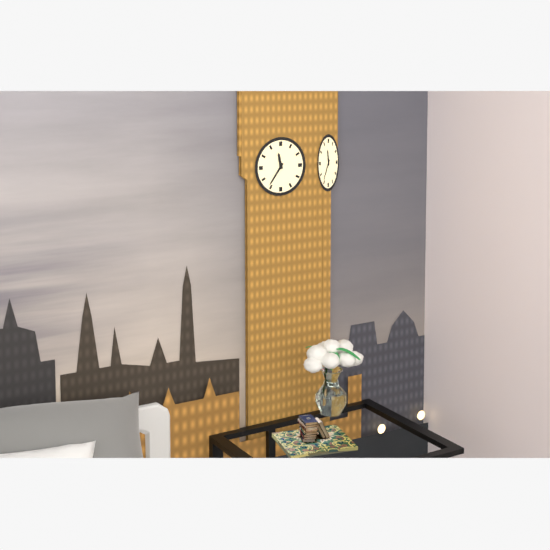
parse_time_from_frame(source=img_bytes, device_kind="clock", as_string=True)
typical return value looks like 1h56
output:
11h36
